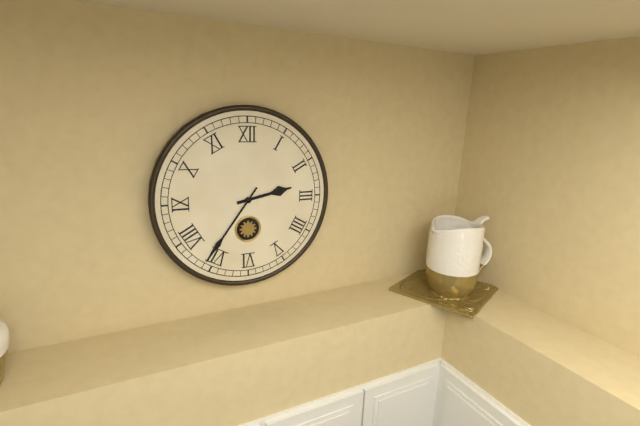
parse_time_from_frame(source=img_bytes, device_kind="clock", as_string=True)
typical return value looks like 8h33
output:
2h36
